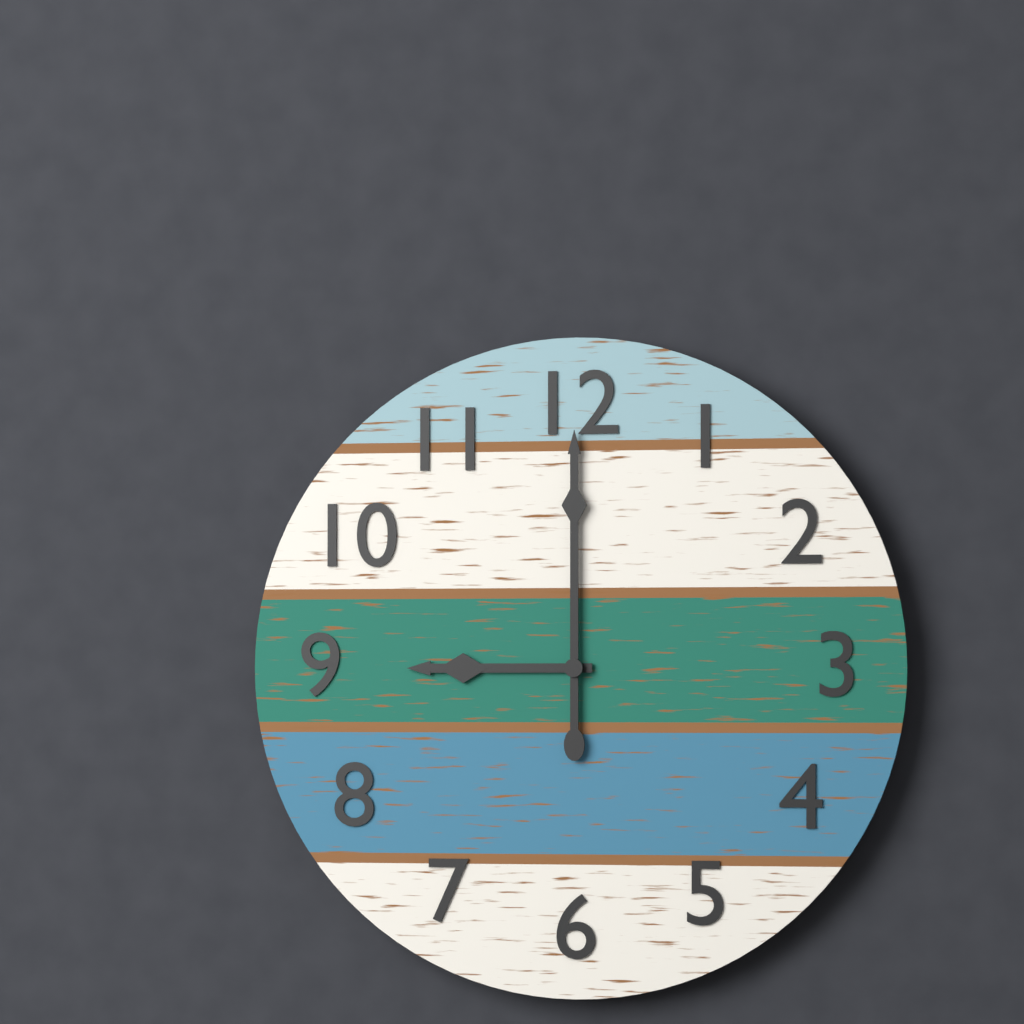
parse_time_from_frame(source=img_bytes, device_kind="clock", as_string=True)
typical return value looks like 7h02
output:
9h00
